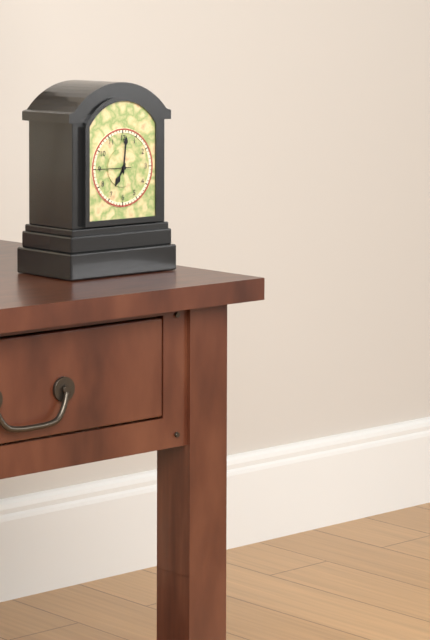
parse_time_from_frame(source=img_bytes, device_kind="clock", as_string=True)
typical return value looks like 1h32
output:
7h01
